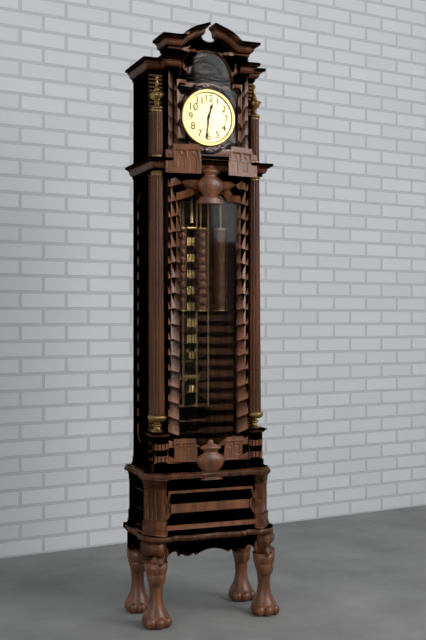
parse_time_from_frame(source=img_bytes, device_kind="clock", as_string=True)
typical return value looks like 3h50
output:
12h31
